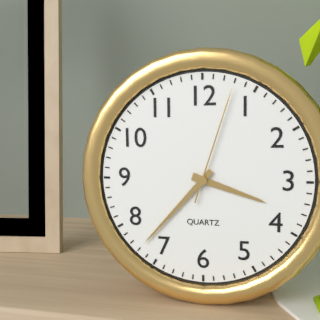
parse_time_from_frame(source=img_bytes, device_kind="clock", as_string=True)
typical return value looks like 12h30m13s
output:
3h37m03s
